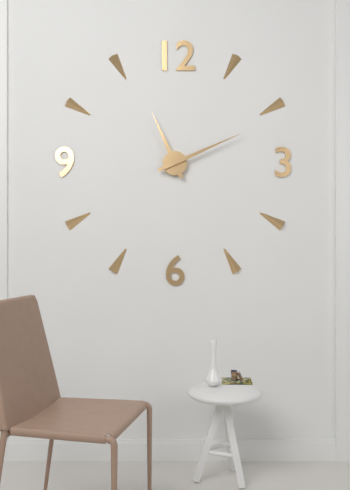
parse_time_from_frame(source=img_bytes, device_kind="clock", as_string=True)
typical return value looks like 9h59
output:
11h11
